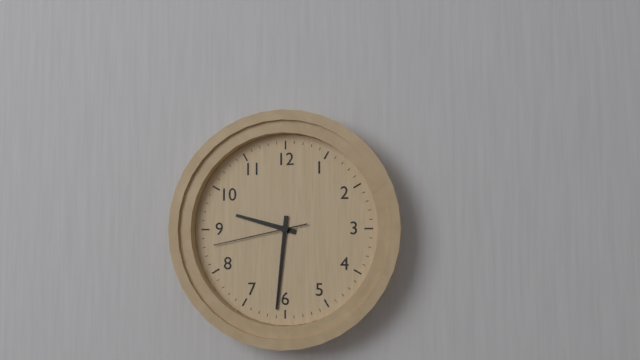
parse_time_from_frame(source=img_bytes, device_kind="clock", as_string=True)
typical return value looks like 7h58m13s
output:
9h31m43s
